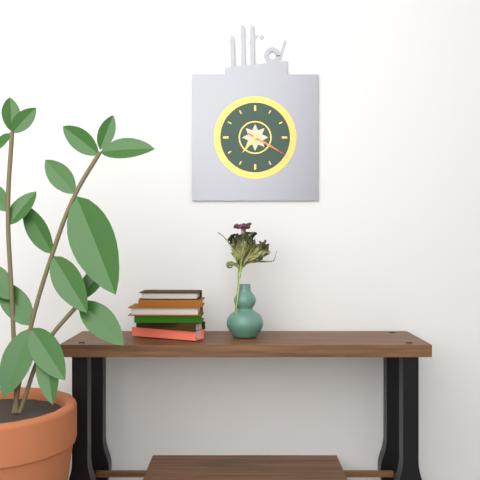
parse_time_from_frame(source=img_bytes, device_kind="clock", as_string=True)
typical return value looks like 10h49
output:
7h20
